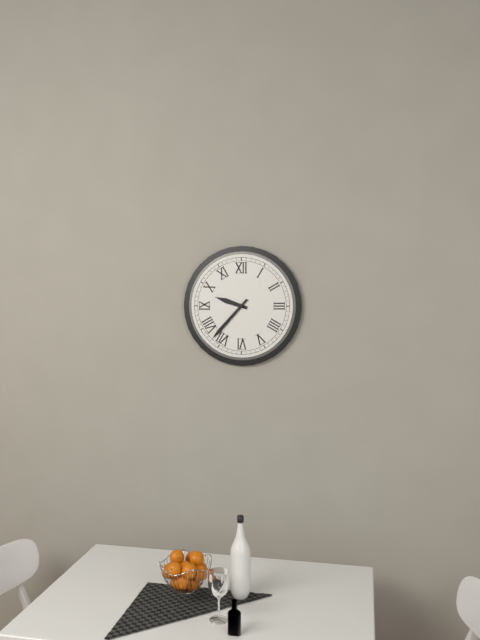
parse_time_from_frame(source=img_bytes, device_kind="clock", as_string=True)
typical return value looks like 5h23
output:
9h37
